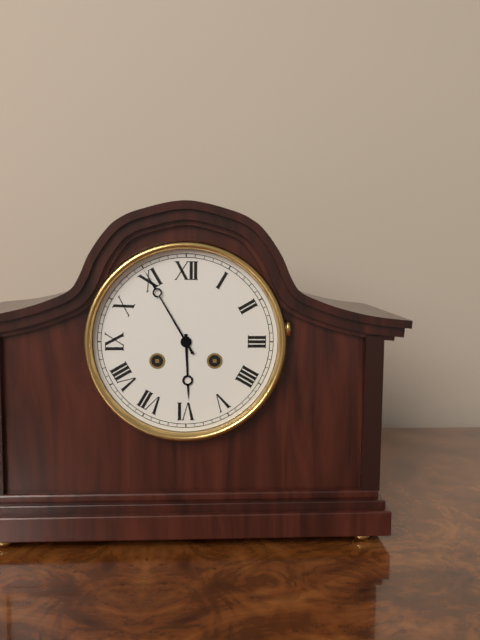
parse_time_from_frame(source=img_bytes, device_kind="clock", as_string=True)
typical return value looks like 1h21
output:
5h55
